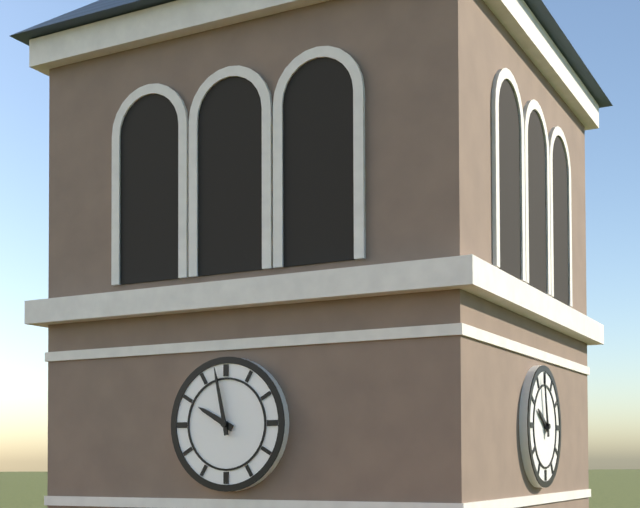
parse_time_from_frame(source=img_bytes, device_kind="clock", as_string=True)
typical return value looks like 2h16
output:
9h58
